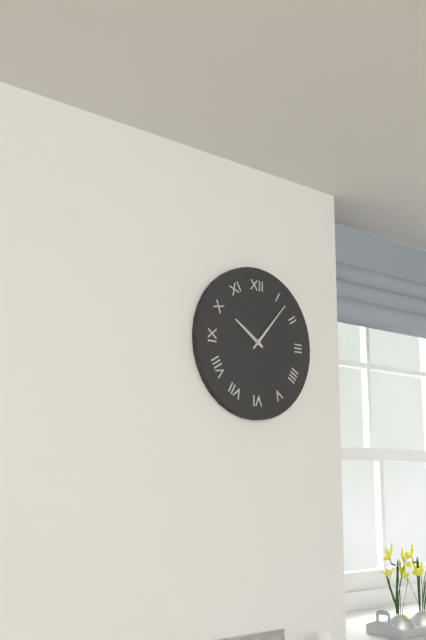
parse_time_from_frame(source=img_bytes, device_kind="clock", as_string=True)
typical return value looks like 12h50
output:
10h07
